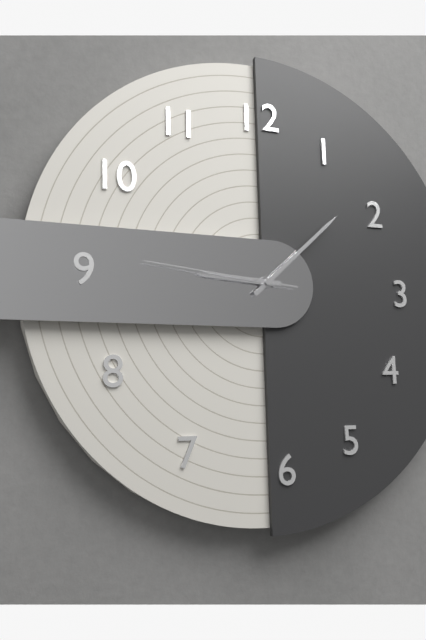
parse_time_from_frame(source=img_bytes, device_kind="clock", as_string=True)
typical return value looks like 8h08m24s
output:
9h08m46s
